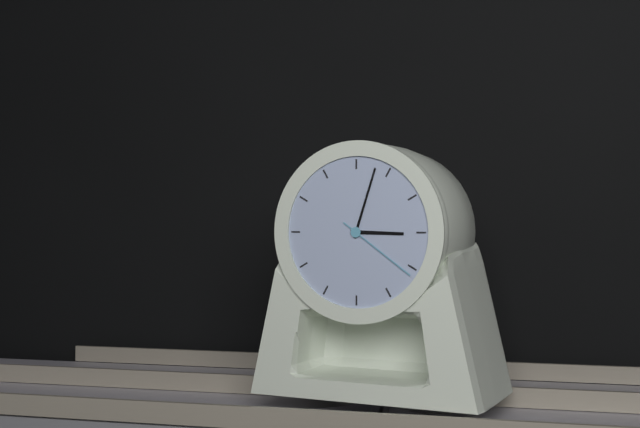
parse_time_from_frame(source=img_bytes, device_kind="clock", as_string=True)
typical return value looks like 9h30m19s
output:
3h03m21s
